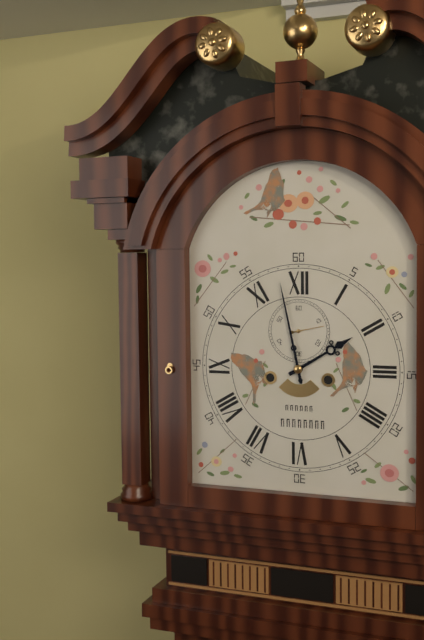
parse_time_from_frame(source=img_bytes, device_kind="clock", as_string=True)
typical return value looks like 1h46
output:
1h58
